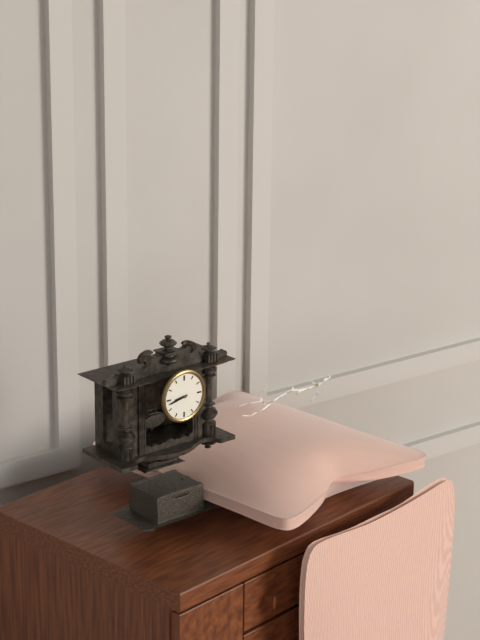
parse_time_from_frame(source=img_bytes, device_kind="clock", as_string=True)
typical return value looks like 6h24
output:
8h43
